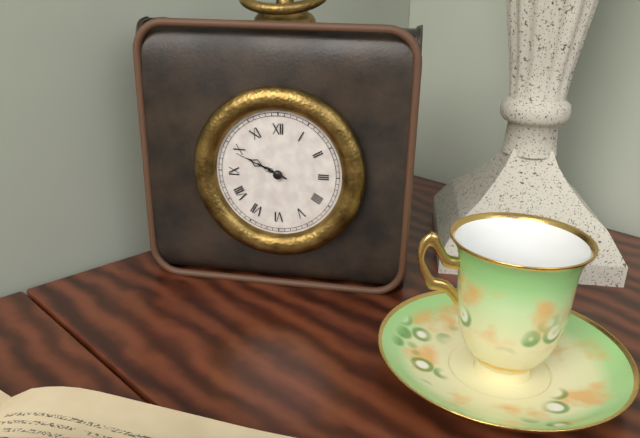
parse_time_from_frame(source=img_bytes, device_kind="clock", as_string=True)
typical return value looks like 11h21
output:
9h49
